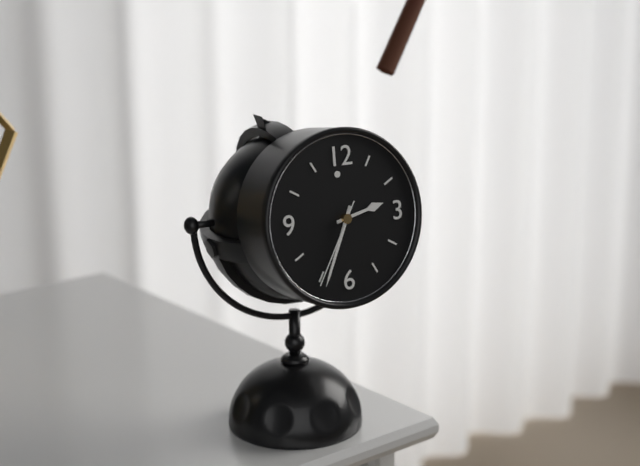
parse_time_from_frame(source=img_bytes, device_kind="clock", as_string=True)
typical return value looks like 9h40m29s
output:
2h34m35s
